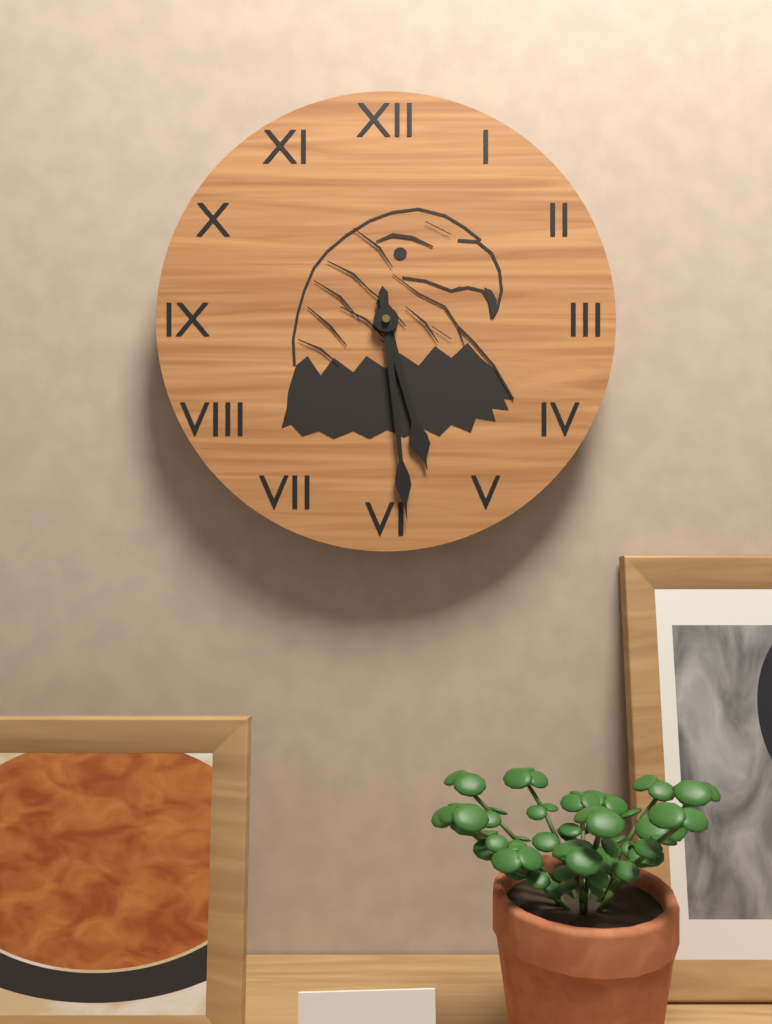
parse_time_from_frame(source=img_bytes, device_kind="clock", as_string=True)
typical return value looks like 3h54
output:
5h29
